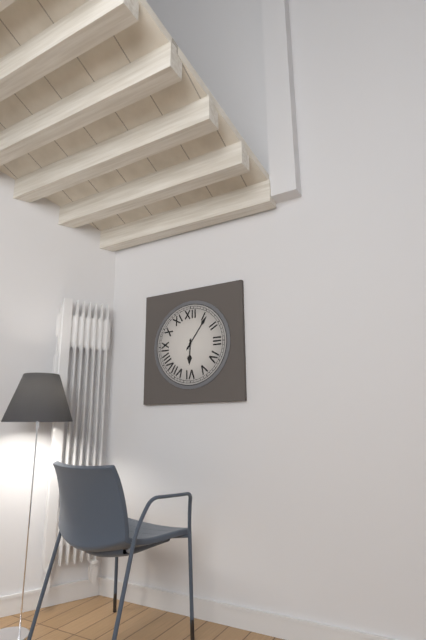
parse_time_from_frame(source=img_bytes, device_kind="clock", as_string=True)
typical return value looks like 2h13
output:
6h06
